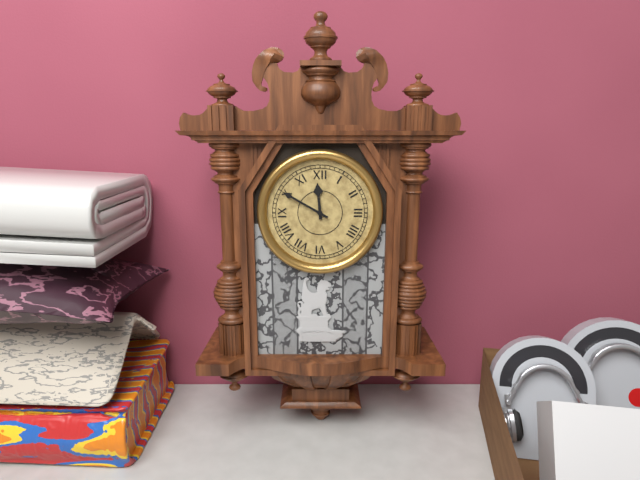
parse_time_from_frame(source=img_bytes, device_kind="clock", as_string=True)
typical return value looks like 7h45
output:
11h50
